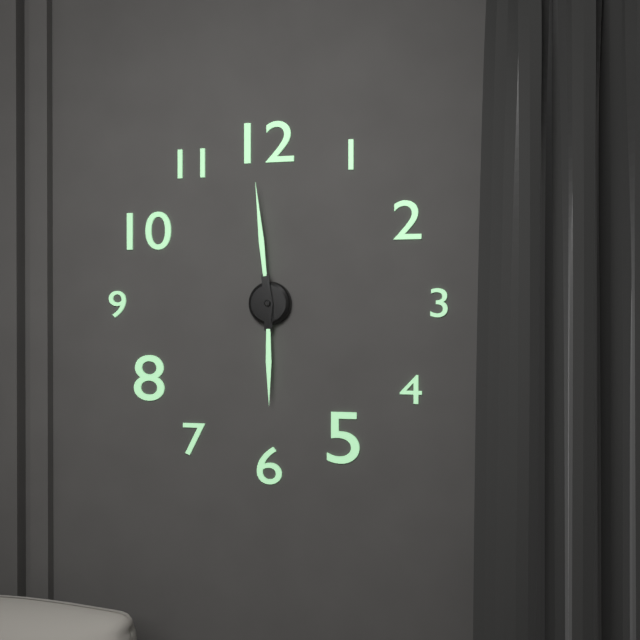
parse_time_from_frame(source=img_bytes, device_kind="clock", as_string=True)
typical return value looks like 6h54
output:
5h59
